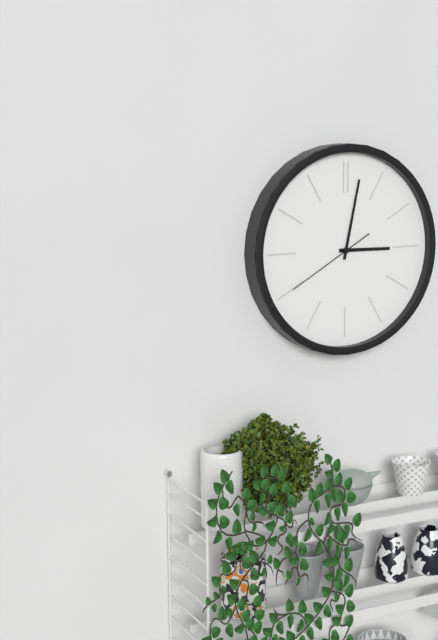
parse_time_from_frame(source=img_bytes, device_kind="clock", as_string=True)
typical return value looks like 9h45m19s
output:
3h02m40s
